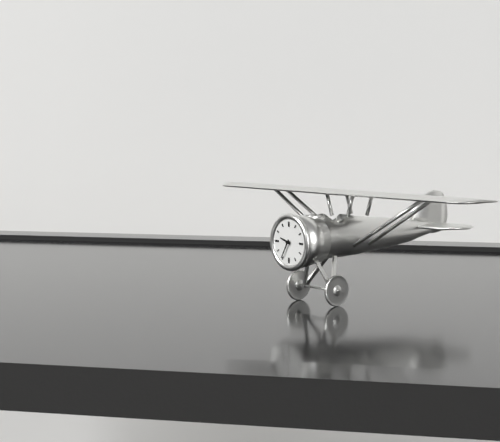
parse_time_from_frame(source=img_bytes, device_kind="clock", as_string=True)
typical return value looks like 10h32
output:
9h35
